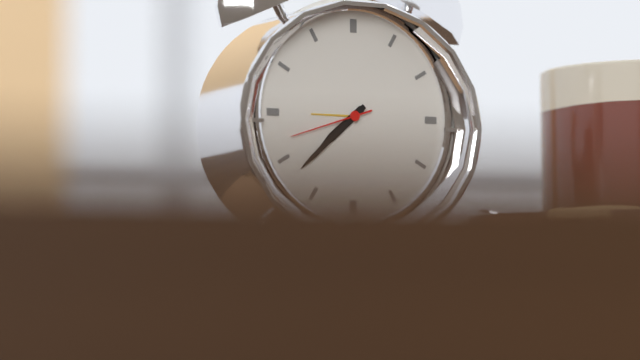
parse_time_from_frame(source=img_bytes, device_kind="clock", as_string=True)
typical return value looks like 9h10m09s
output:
7h38m42s
